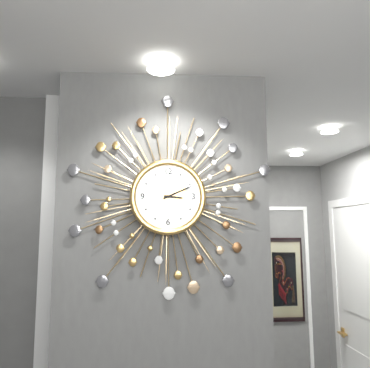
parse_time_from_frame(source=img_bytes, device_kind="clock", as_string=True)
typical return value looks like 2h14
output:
3h11
